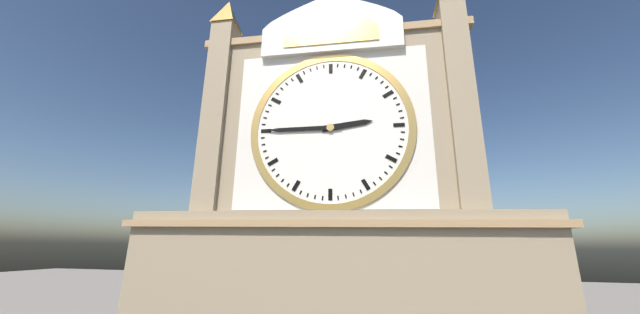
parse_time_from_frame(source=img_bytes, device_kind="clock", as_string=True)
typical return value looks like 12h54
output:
2h45
